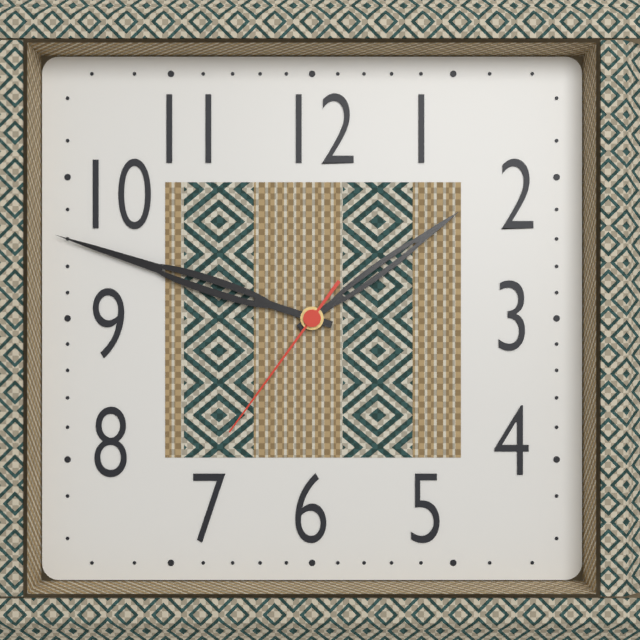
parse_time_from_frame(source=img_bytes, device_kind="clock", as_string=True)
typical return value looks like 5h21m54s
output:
1h48m36s
